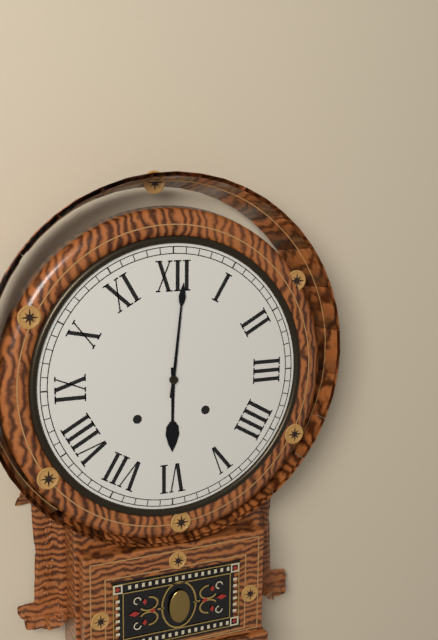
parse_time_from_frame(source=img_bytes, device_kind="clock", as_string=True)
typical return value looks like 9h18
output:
6h01
